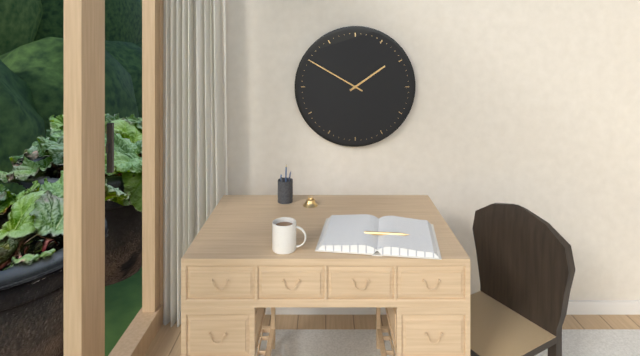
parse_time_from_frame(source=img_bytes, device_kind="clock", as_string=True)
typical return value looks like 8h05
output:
1h50
